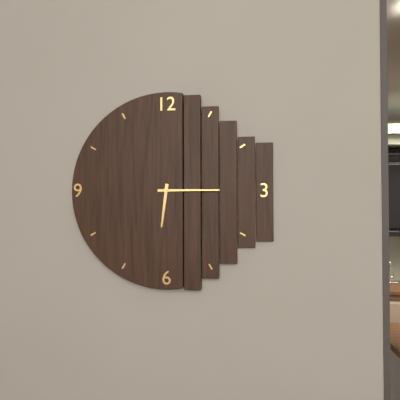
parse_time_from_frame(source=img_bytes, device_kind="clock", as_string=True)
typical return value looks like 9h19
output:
6h15
